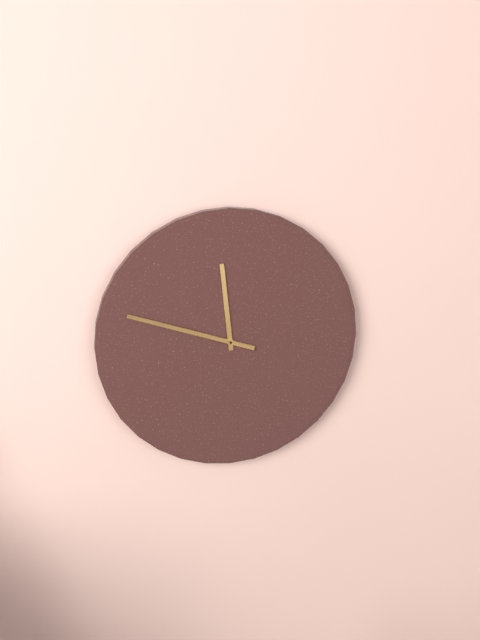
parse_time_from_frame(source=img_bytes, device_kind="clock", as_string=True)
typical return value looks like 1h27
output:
11h48
